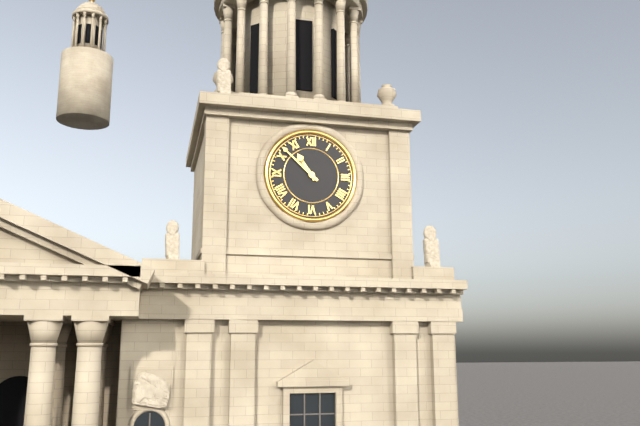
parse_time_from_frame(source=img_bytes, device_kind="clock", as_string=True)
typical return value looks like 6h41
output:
10h52
